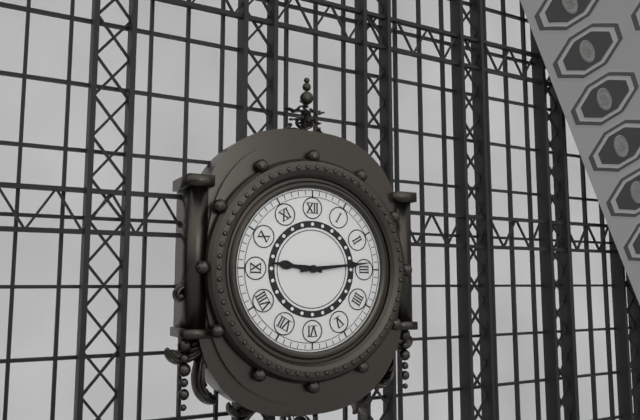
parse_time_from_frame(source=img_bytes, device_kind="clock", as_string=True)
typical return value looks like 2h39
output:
9h14
